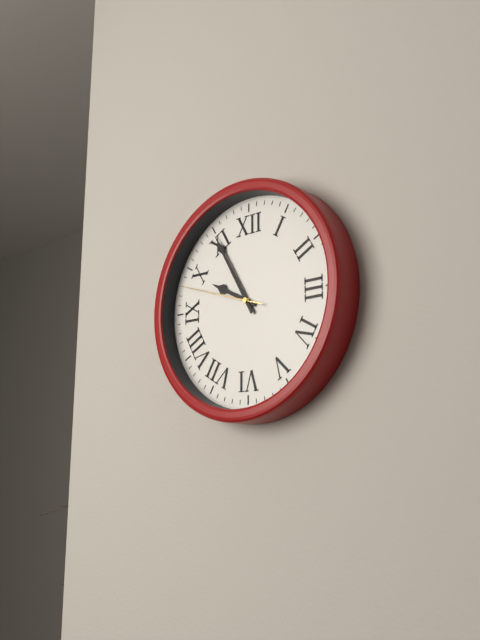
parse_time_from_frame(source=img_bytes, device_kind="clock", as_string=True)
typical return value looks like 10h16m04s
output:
9h55m48s
